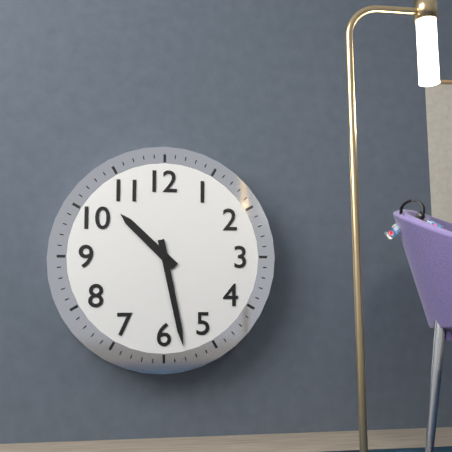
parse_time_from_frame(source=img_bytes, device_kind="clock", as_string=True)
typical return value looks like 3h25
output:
10h28
